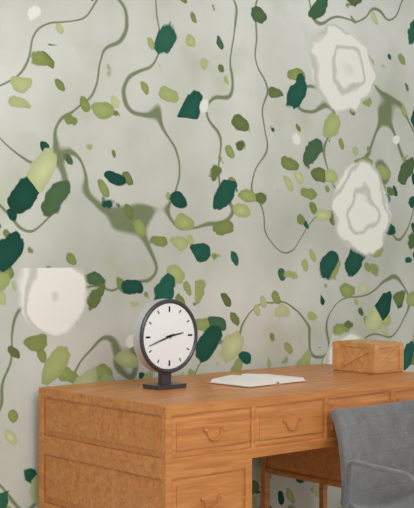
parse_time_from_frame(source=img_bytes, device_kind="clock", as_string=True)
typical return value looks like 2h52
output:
2h42
